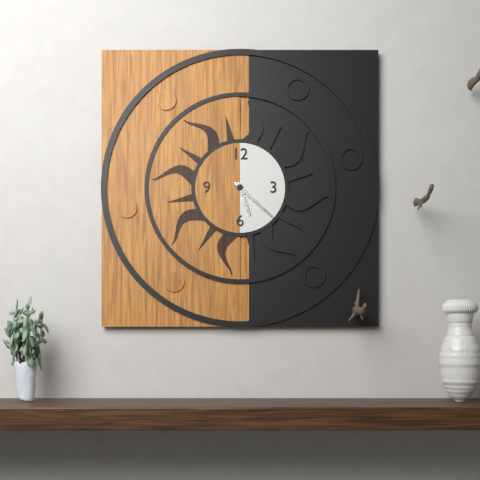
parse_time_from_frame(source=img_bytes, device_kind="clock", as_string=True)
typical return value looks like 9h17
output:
5h22
